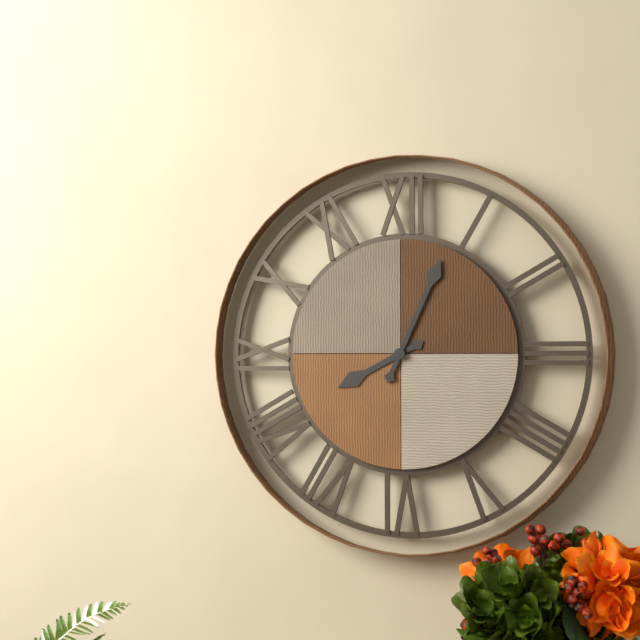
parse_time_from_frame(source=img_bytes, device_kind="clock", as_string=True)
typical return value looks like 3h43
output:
8h04
